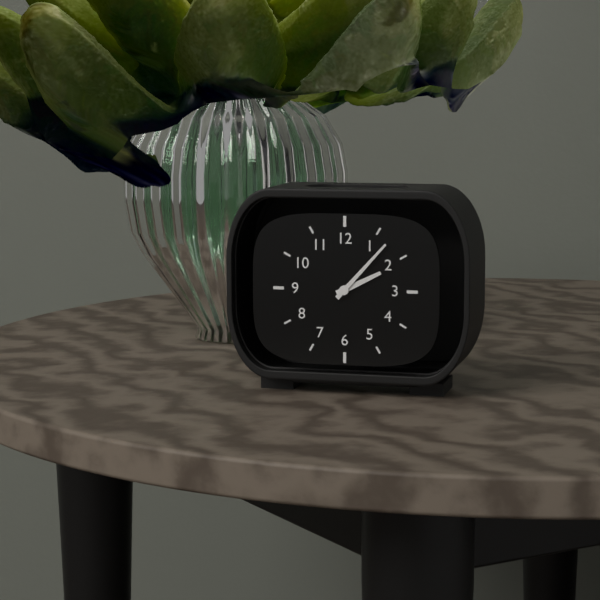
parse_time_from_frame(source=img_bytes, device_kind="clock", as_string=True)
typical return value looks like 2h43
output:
2h07
